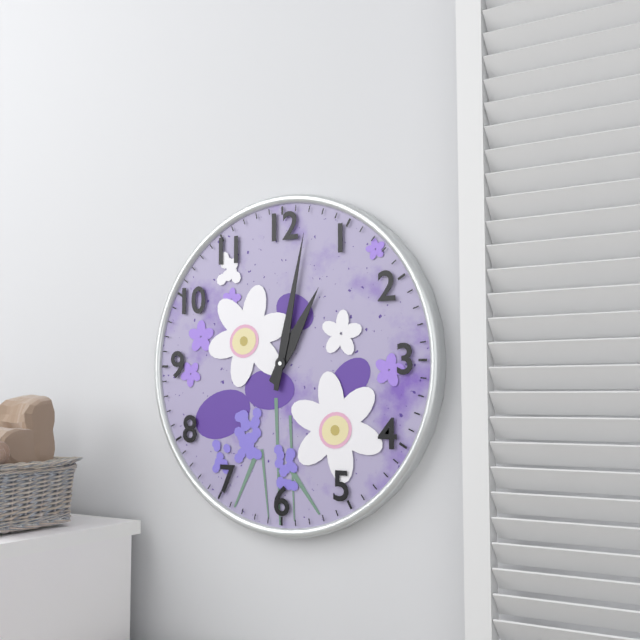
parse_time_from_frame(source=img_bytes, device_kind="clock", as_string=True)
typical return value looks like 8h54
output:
1h02
